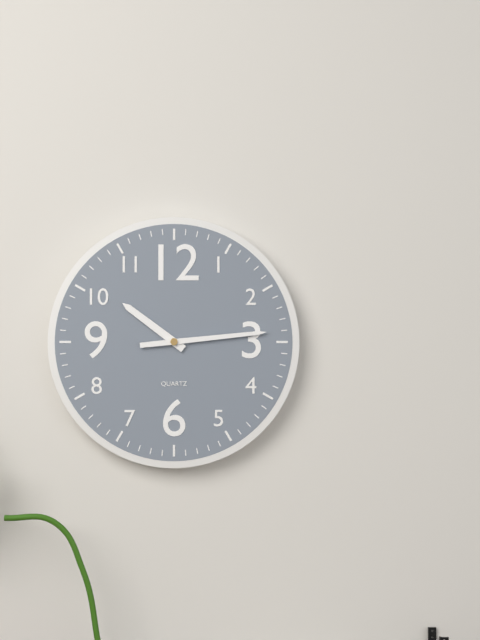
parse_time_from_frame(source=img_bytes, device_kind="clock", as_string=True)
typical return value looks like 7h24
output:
10h14
